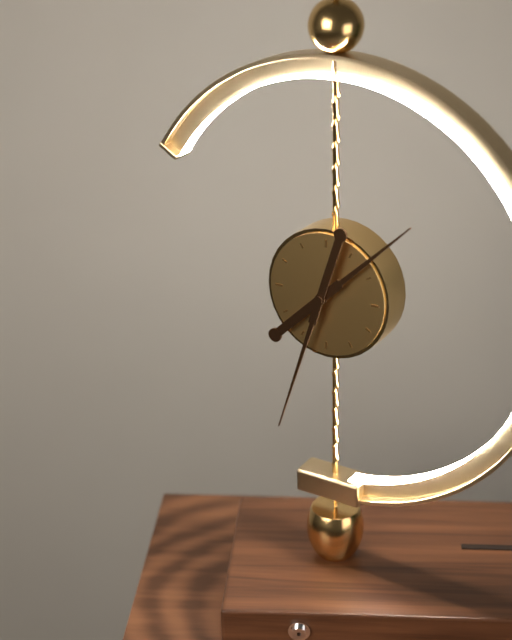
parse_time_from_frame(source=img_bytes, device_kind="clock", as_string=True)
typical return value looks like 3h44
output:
1h33
